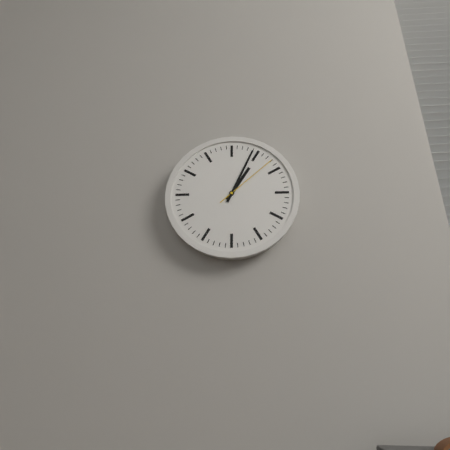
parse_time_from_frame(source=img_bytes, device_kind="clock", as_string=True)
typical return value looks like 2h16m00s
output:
1h04m08s
